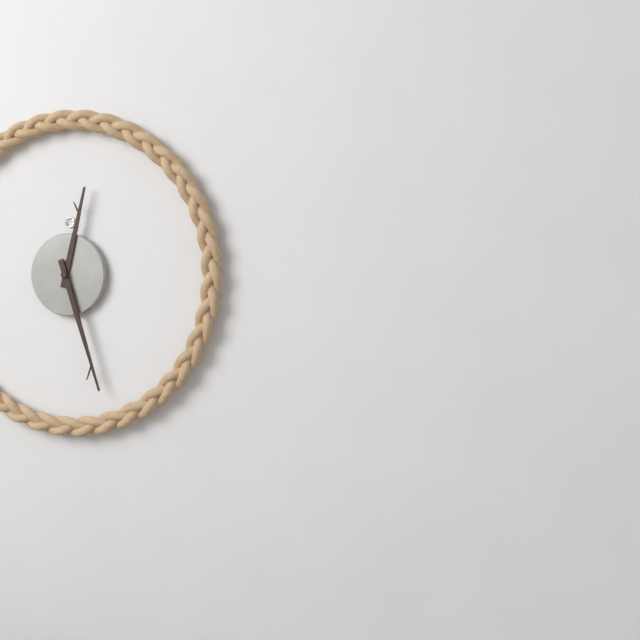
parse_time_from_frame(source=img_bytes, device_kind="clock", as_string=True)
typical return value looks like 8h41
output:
12h27
